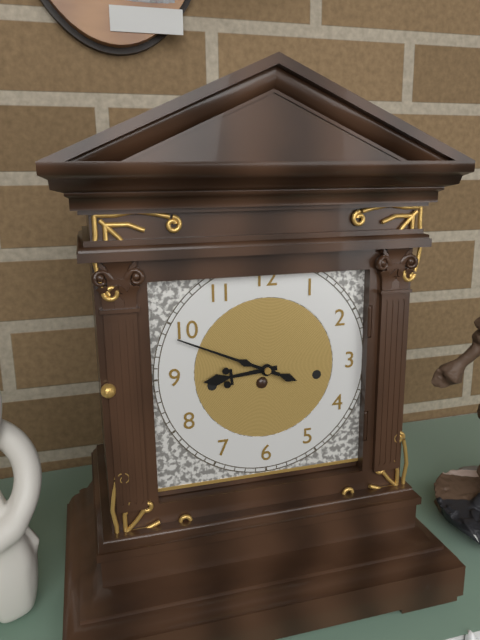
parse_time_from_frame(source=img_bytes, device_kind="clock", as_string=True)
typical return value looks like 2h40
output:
8h49
